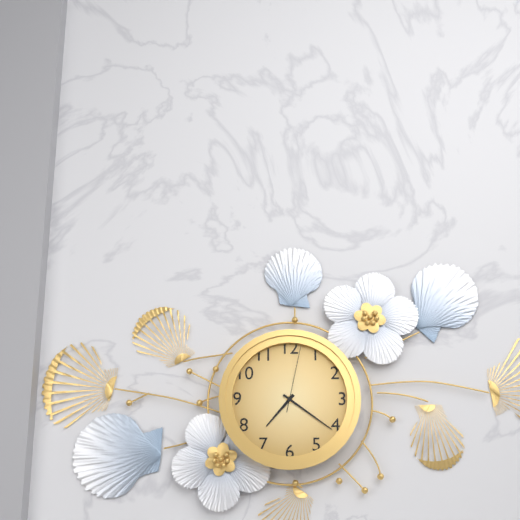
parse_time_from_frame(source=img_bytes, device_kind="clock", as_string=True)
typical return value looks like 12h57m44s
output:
7h21m02s
